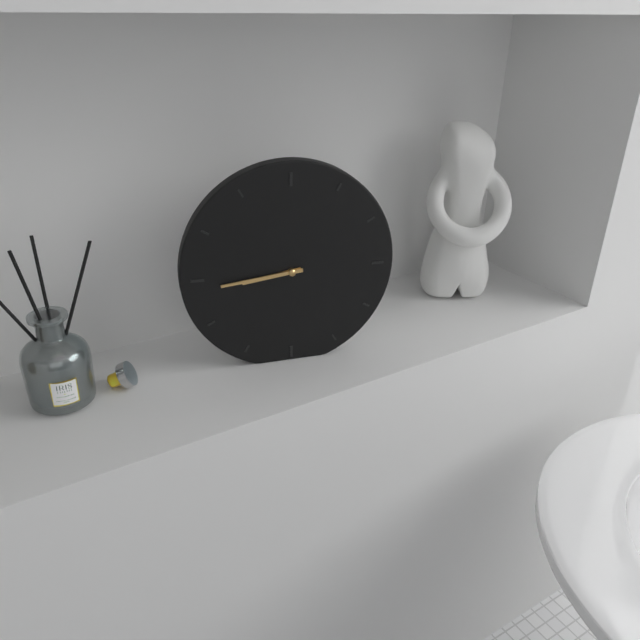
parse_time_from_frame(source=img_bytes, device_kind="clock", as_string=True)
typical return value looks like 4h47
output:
8h44
